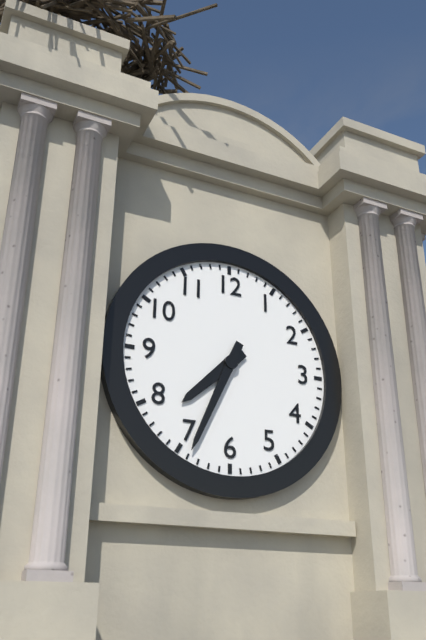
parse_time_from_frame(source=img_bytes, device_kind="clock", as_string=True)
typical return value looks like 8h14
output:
7h34
